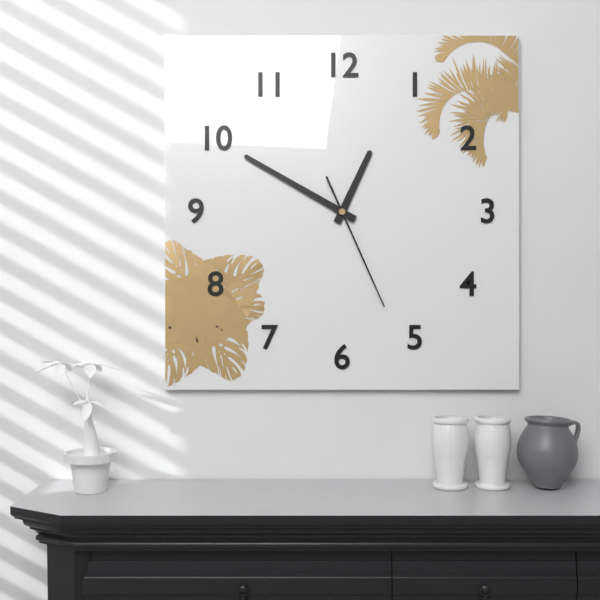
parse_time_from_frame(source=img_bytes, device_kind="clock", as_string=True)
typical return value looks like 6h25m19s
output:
12h50m26s
